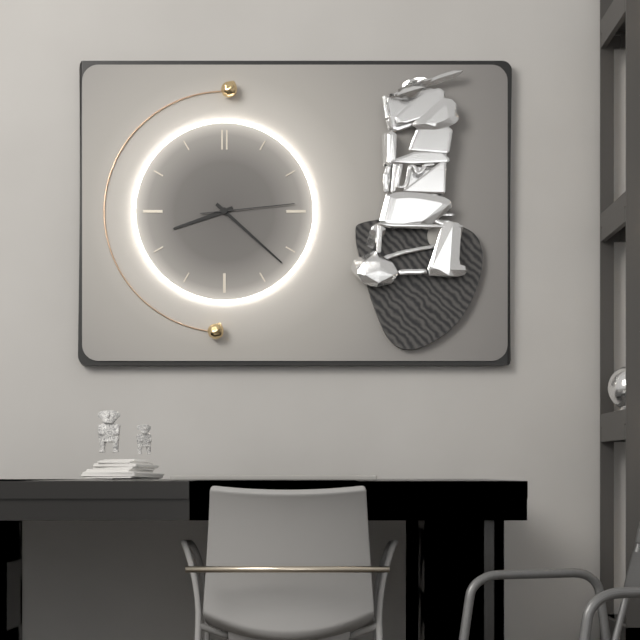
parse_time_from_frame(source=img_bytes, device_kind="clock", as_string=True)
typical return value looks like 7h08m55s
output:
8h22m14s
